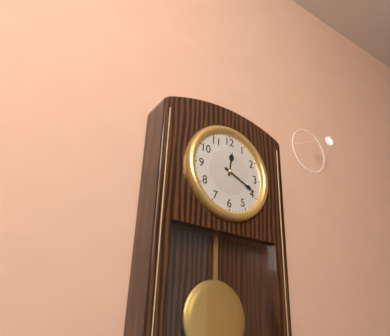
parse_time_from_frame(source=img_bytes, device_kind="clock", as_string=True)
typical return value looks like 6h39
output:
12h19
